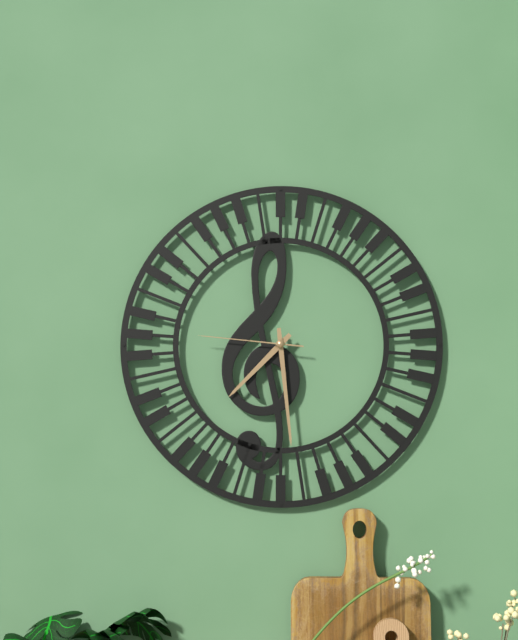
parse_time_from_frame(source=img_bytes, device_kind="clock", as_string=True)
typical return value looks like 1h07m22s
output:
7h29m46s
